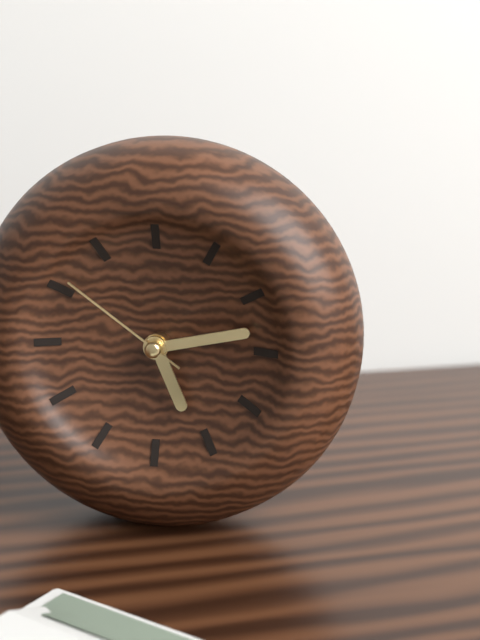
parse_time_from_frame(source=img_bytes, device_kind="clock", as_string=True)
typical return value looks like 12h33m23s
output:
5h13m51s
